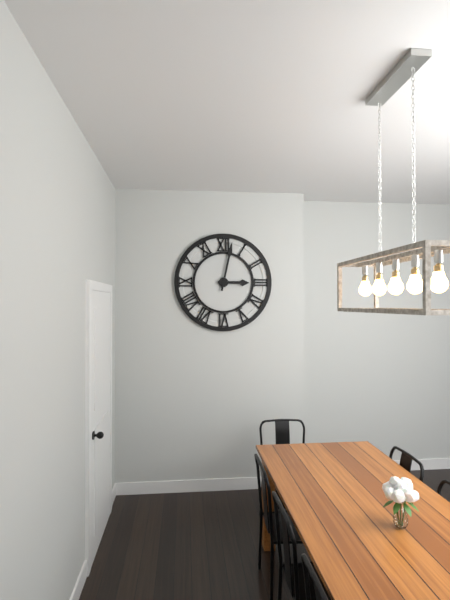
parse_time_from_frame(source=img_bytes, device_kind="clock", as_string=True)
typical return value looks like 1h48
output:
3h02
